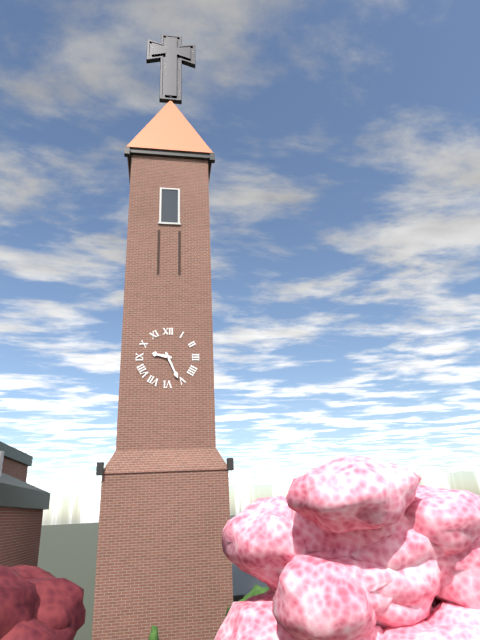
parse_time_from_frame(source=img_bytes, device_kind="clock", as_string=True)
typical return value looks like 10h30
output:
9h26
